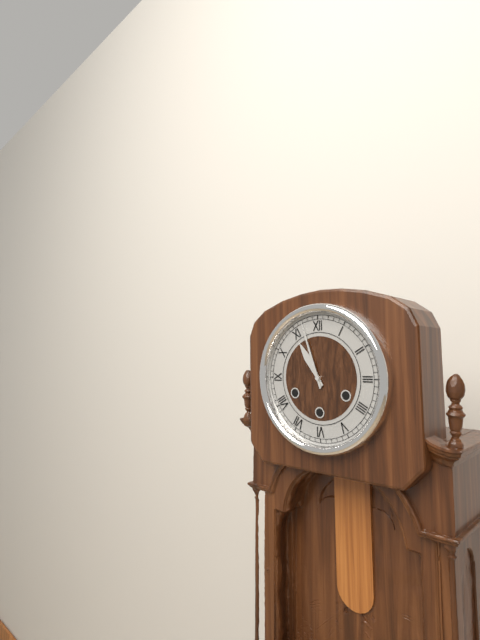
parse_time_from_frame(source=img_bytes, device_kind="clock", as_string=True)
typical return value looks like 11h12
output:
10h57
